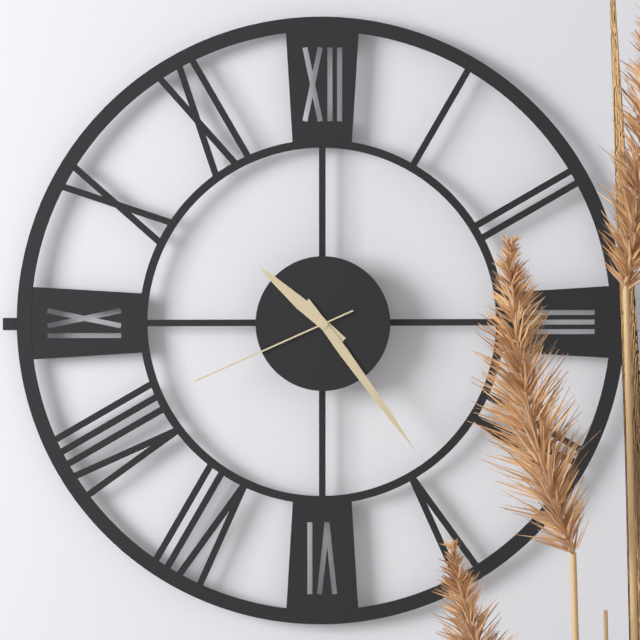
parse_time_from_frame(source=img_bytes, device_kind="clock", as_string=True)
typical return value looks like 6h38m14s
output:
10h24m41s
